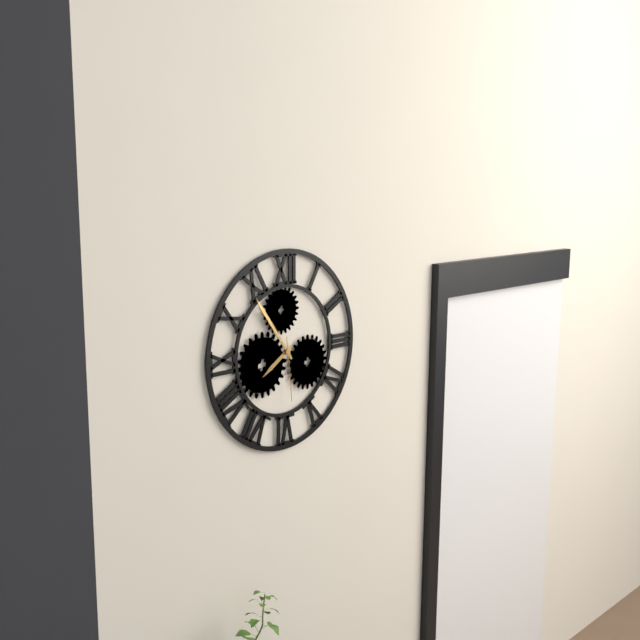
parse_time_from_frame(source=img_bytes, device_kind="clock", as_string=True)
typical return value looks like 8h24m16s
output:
7h54m29s
